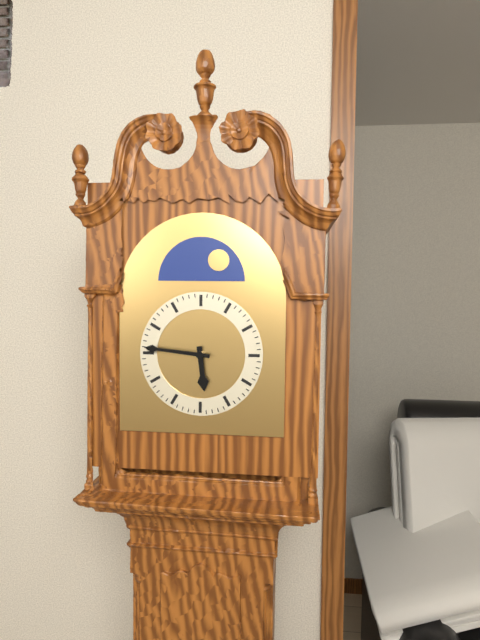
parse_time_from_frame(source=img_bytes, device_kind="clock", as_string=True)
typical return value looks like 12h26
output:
5h46
